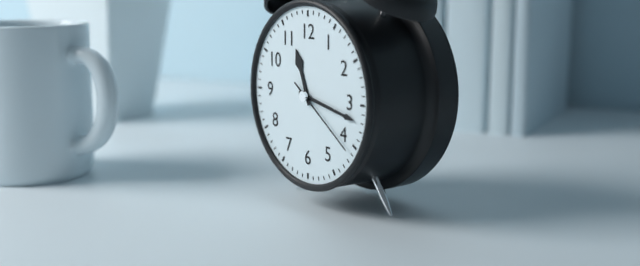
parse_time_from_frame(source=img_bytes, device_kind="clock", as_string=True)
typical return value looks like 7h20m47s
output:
11h17m21s
